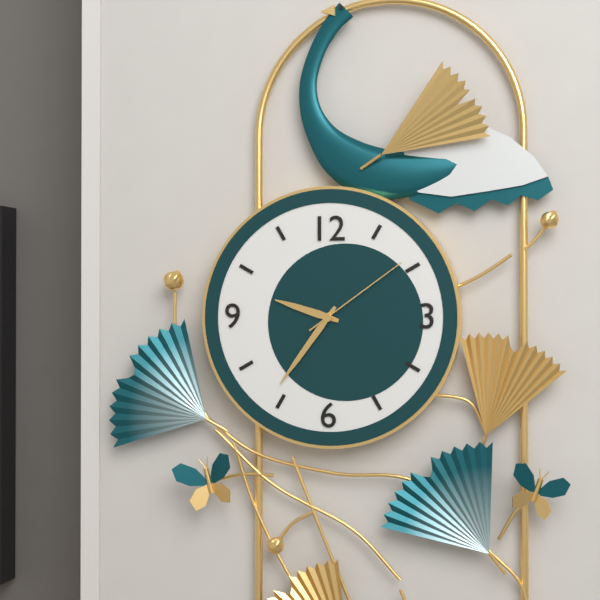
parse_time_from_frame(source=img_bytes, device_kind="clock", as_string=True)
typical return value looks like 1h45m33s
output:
9h36m09s
